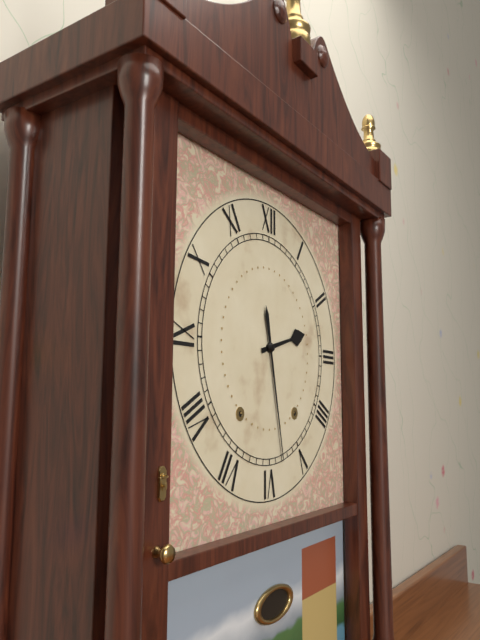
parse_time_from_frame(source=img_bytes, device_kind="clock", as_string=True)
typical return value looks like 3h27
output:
2h28
